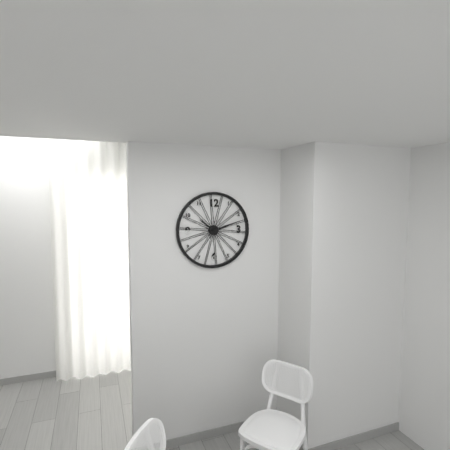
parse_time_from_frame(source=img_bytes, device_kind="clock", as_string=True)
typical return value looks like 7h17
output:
10h12
